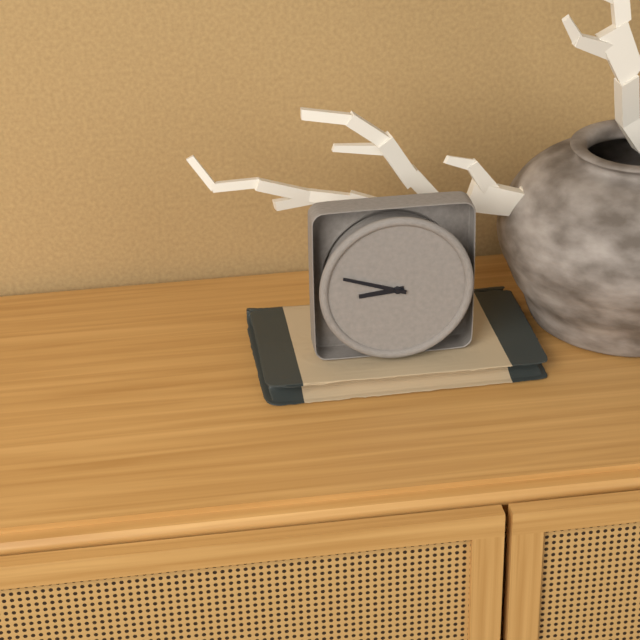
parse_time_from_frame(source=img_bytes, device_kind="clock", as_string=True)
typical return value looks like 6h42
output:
8h48
